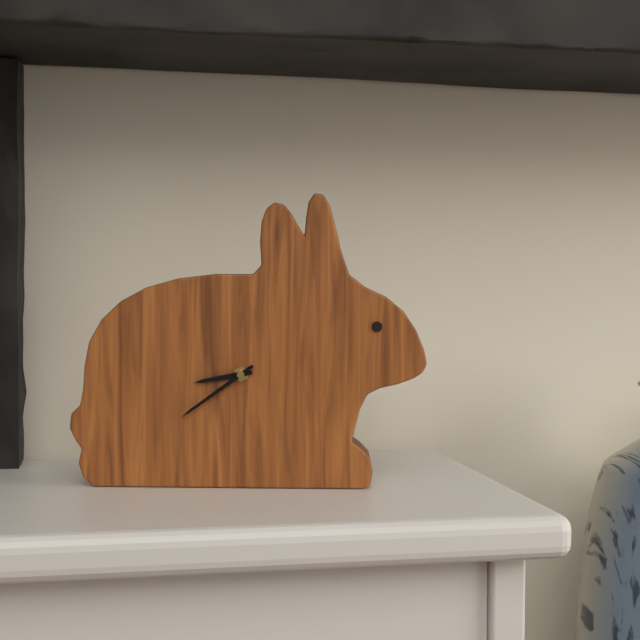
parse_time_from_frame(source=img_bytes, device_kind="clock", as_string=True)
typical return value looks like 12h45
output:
8h39
